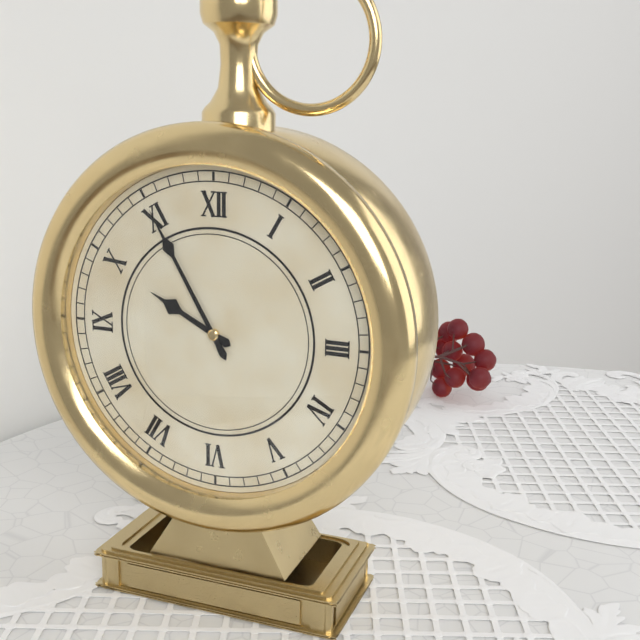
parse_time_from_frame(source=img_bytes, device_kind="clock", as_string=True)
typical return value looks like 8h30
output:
9h55
